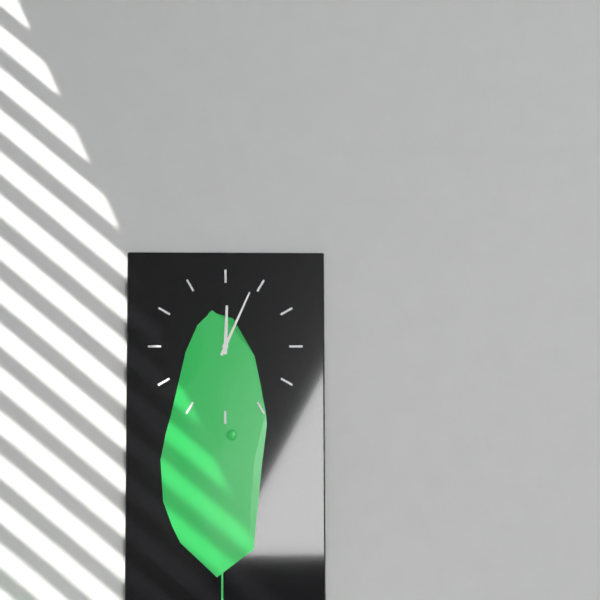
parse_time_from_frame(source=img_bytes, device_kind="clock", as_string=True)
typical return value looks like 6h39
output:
12h04
